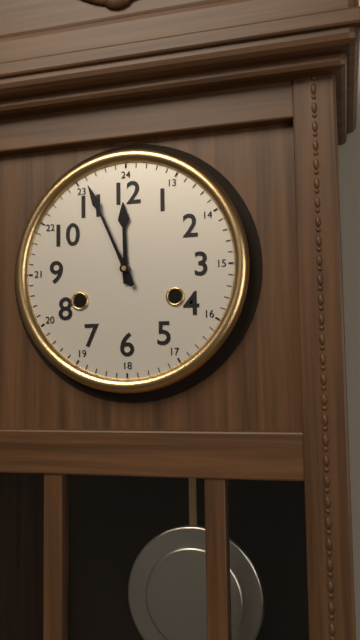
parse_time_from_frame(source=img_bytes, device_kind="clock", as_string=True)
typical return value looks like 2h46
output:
11h56
